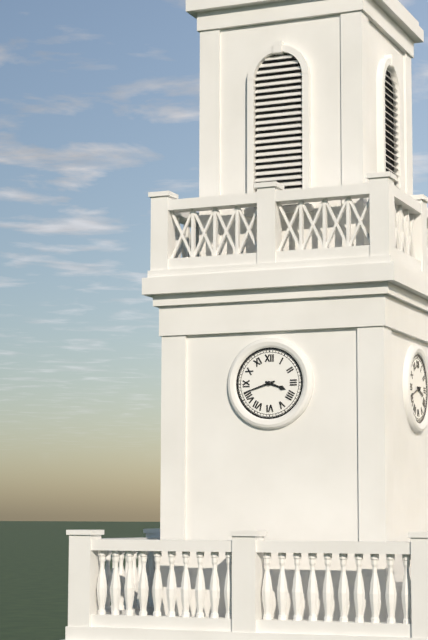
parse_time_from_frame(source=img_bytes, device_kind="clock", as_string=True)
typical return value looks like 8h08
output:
3h42
